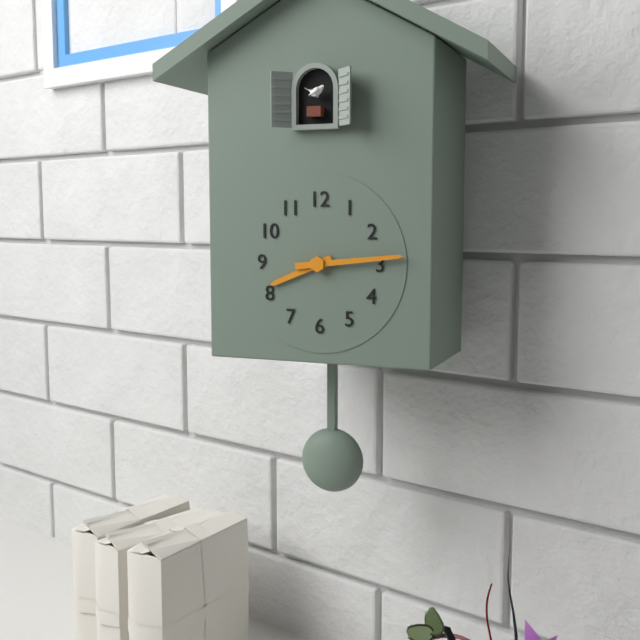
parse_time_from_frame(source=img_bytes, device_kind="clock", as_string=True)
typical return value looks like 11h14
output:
8h14
